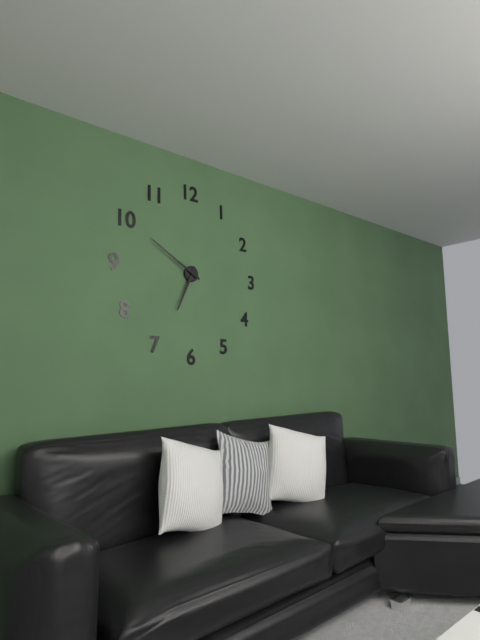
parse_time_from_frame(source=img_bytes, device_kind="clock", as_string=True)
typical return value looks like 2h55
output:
6h50
